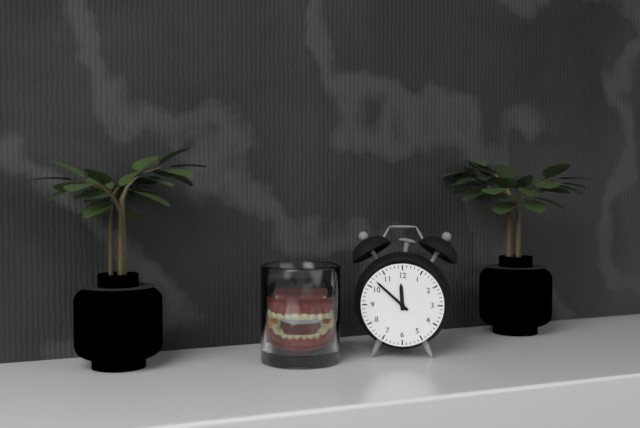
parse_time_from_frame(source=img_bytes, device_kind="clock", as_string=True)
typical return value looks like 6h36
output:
11h52
